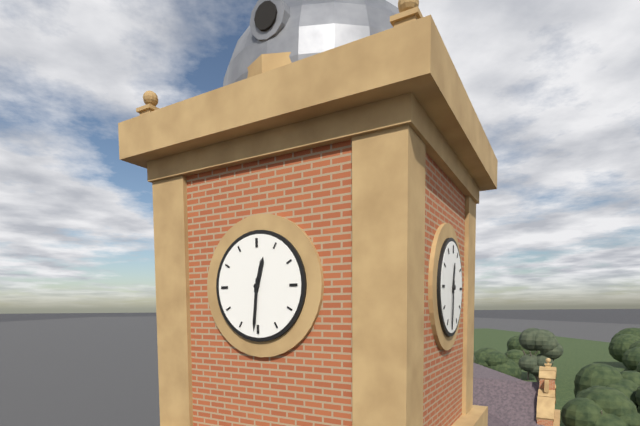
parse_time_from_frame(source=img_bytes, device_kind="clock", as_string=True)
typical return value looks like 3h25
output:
12h31
